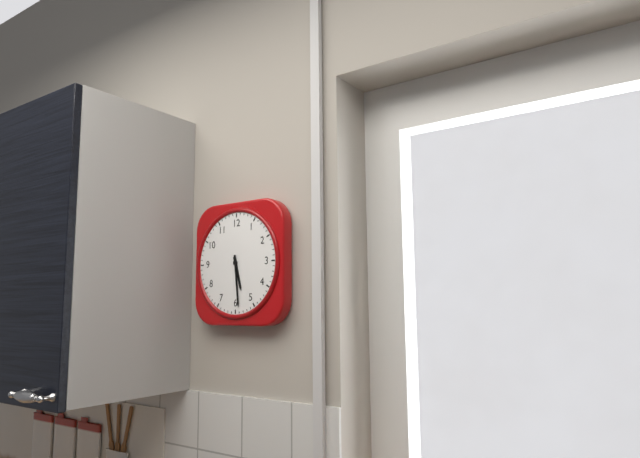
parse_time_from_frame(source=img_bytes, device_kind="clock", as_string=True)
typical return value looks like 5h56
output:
5h29
